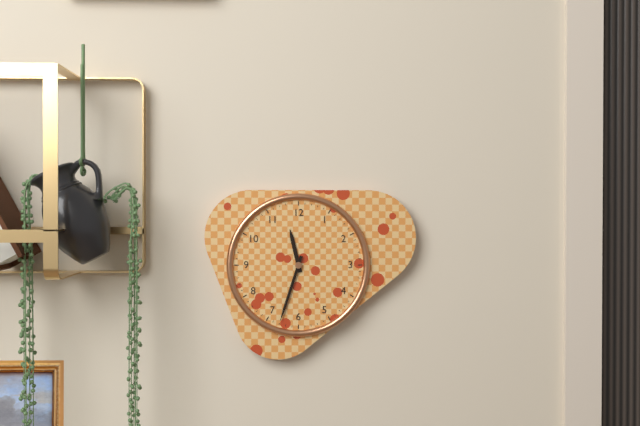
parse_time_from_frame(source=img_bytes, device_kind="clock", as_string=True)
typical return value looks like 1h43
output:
11h33
